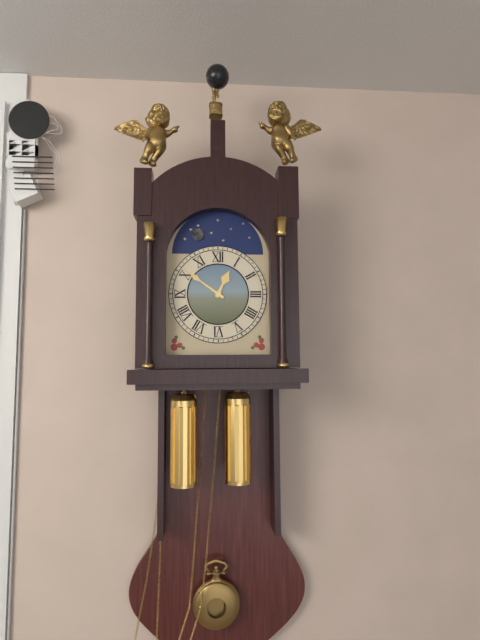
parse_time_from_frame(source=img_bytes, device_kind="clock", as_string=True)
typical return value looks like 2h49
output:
12h51
